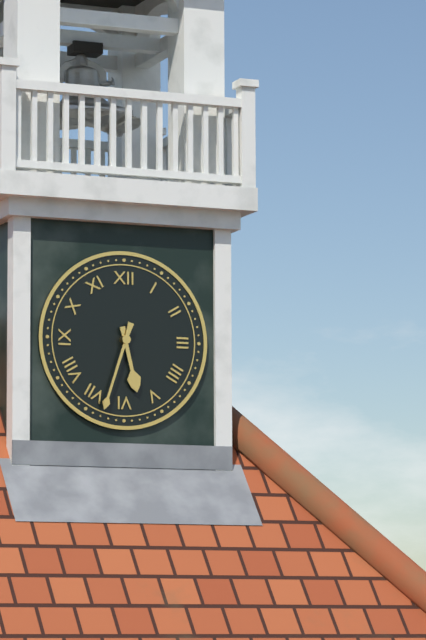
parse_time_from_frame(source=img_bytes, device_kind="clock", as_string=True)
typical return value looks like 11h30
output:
5h33
